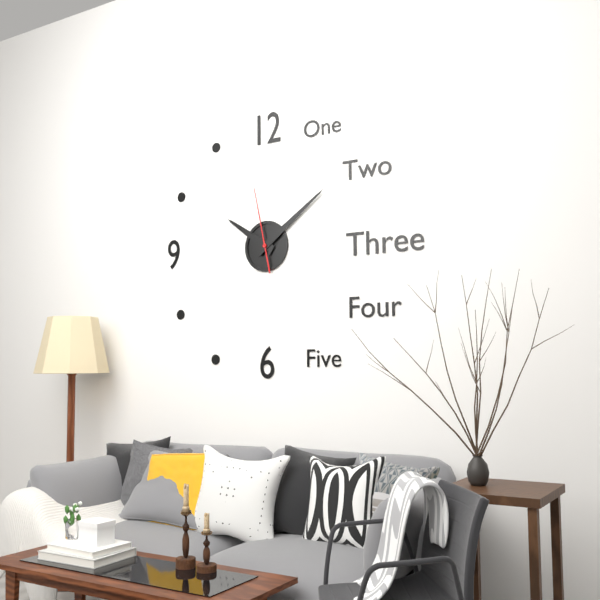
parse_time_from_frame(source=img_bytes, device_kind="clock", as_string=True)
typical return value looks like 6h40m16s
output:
10h09m58s
